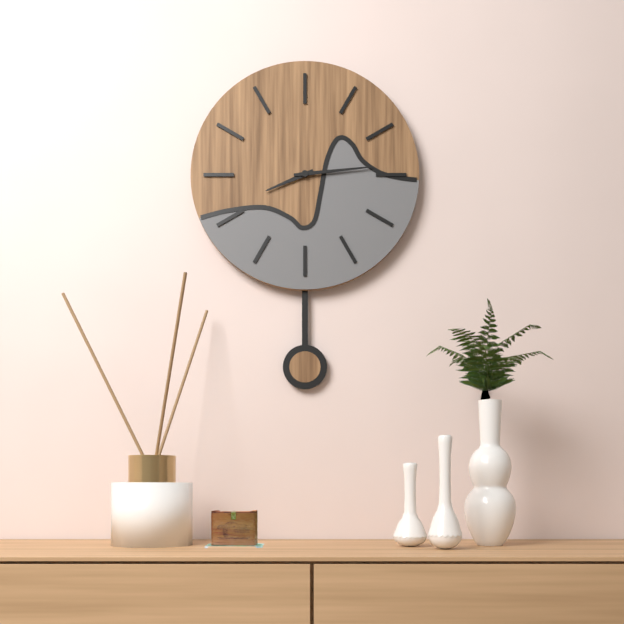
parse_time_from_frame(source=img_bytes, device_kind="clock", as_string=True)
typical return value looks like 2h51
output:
8h14
